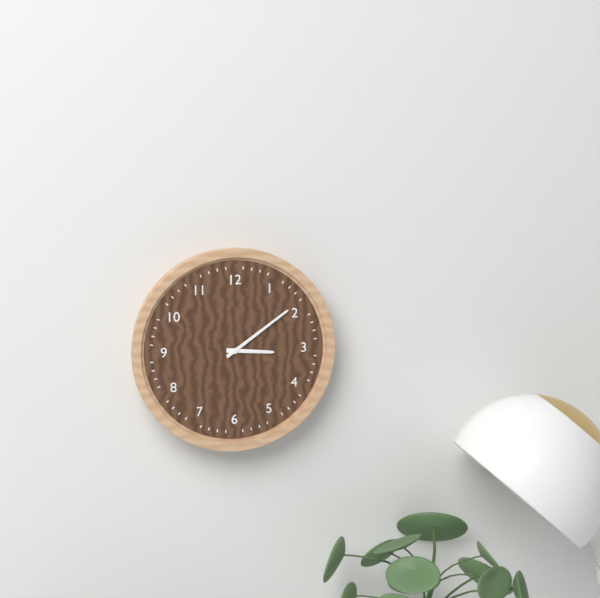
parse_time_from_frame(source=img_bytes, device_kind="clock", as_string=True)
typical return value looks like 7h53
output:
3h09
